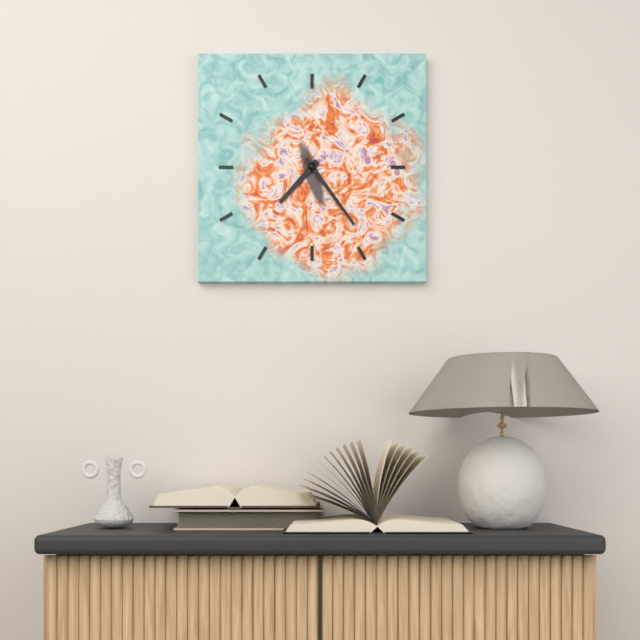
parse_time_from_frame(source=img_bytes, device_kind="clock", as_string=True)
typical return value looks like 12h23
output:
7h24
